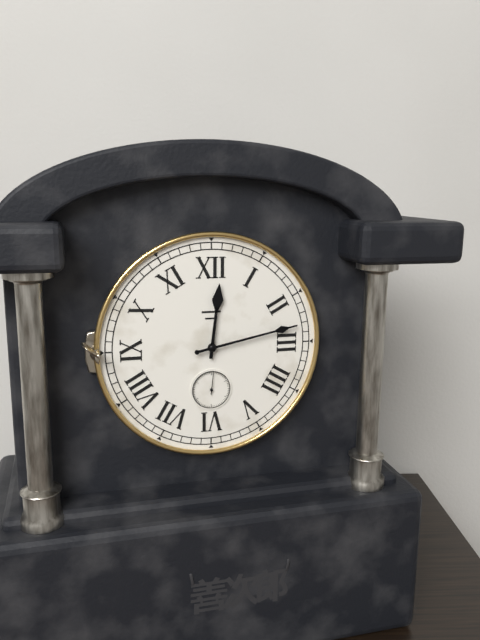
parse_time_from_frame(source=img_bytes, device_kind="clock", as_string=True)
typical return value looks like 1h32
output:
12h13
